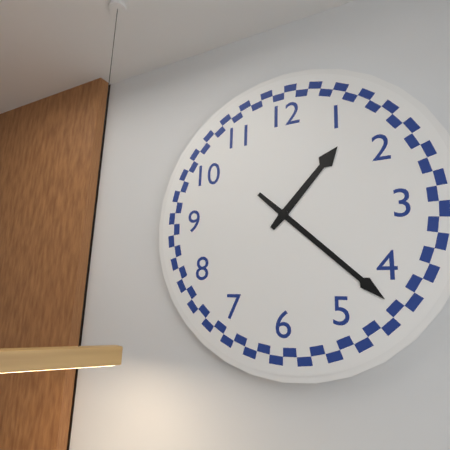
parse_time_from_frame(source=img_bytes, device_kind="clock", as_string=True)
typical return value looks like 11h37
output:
1h22
